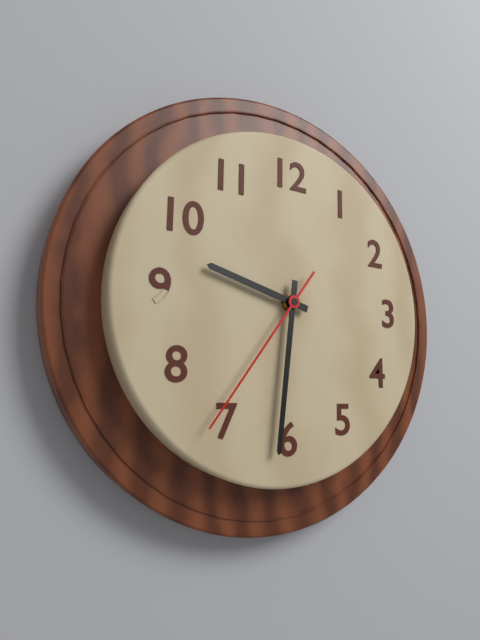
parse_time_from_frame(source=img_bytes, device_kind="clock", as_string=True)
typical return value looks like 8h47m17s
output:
9h31m36s
